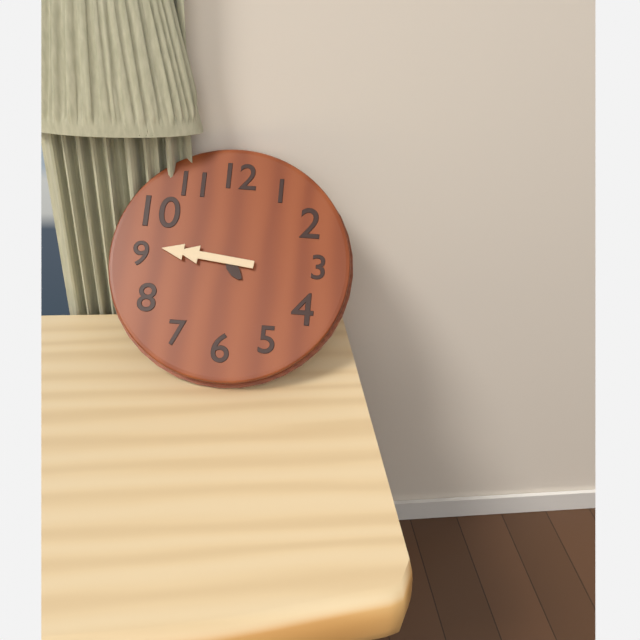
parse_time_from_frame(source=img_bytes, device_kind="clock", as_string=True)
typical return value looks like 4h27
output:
4h46
